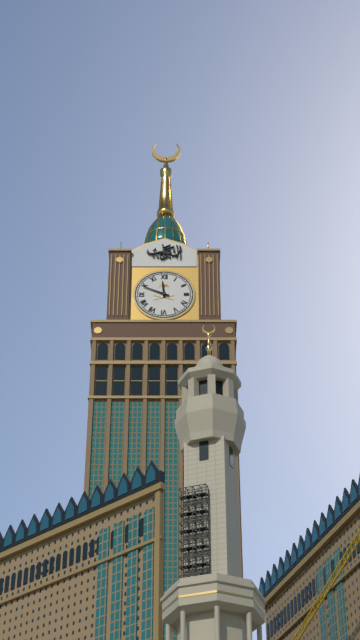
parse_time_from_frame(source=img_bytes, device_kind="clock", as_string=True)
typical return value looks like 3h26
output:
11h49
